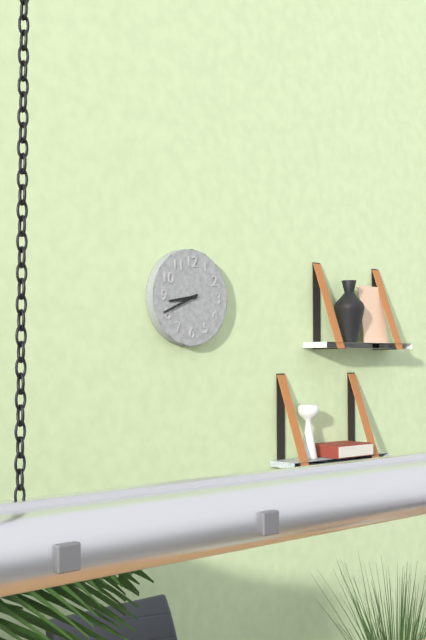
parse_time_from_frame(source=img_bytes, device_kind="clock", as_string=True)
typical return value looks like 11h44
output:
8h41
